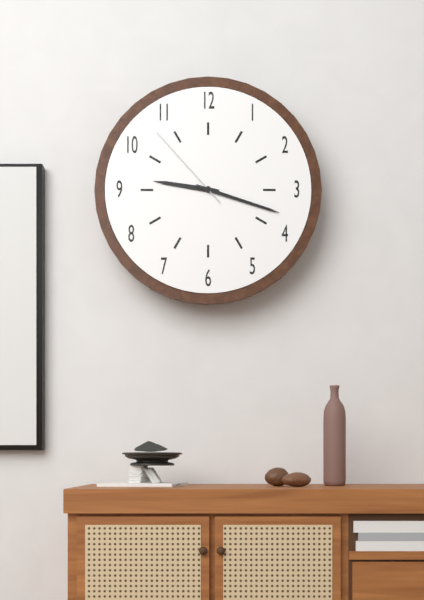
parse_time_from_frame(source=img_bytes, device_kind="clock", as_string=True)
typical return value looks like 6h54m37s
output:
9h18m53s
